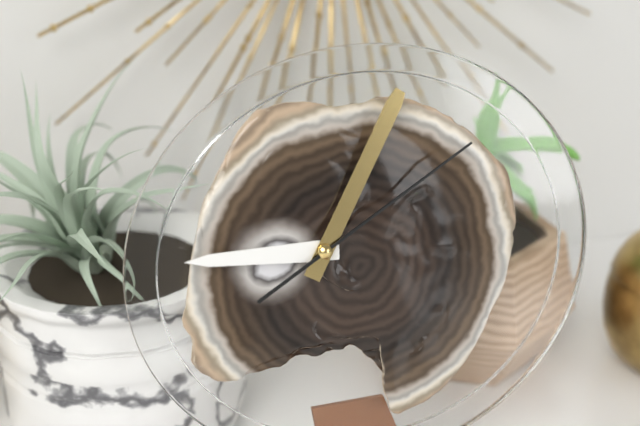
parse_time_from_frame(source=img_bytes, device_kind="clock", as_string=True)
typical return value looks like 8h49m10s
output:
9h05m10s
